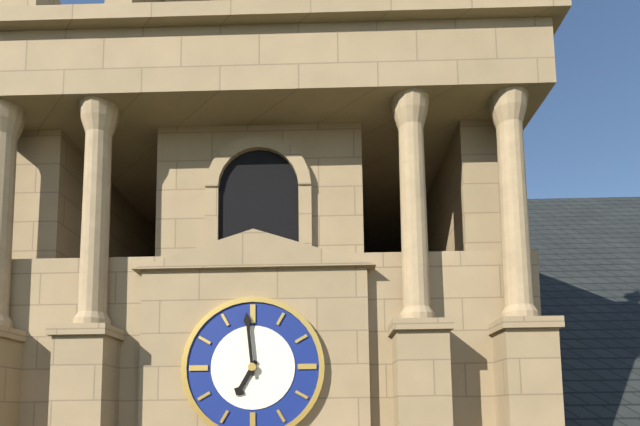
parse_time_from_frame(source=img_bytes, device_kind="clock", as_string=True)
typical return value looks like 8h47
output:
6h59
